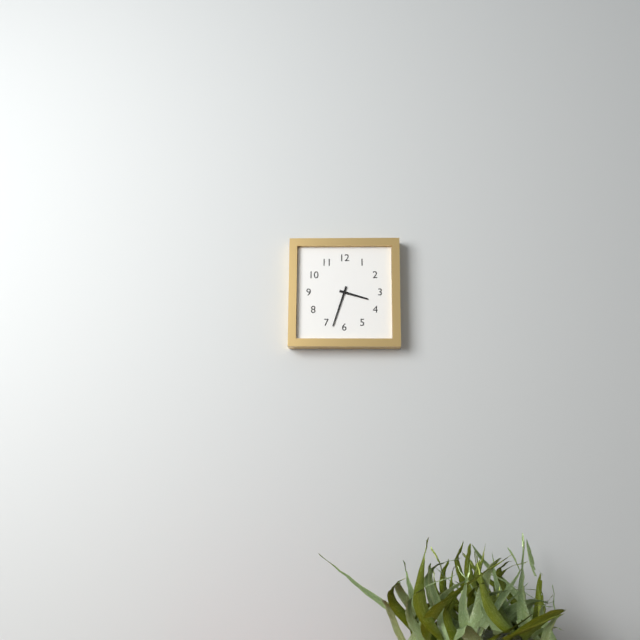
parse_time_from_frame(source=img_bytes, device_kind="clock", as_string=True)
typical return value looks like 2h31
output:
3h33
